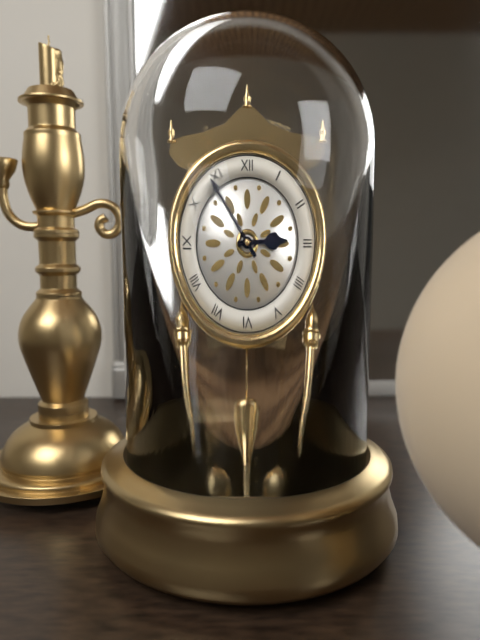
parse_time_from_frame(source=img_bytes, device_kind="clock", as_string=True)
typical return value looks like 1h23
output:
2h54
